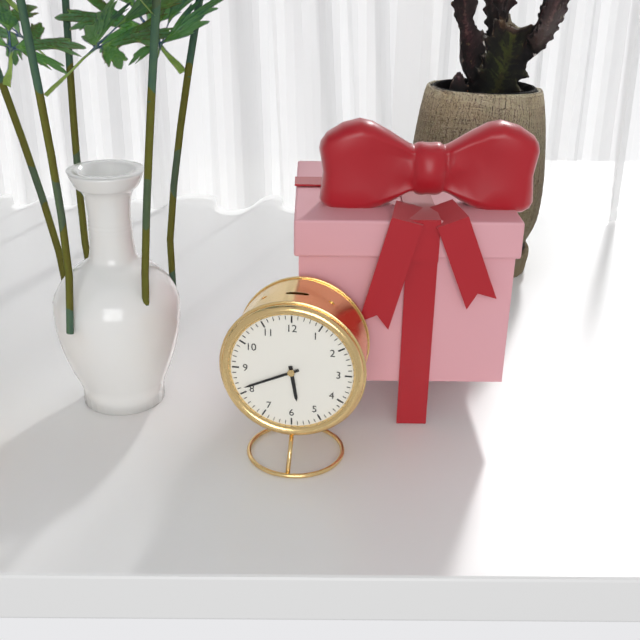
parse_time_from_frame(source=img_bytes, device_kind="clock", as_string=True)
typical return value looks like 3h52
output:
5h41
